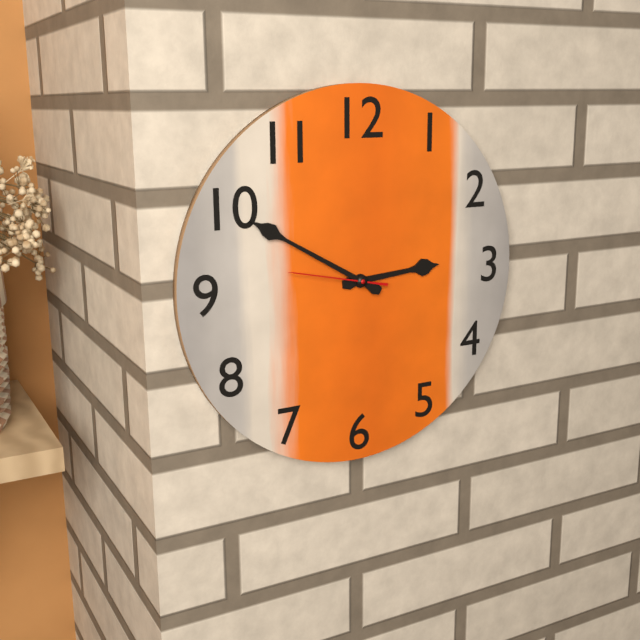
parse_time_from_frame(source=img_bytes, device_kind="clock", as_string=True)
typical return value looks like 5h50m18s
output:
2h50m47s
